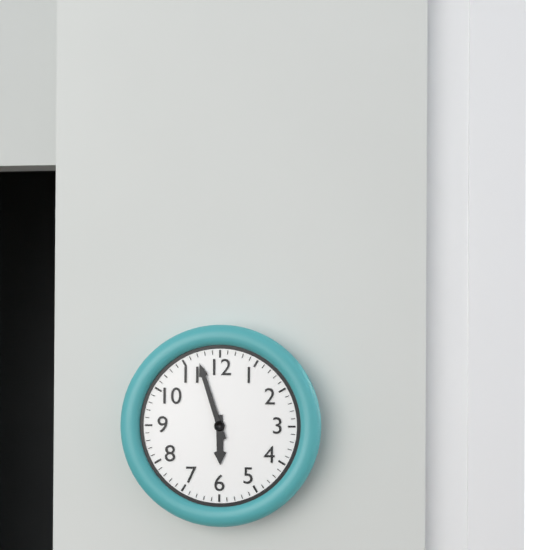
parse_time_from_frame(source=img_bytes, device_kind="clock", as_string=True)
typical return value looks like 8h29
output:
5h57
